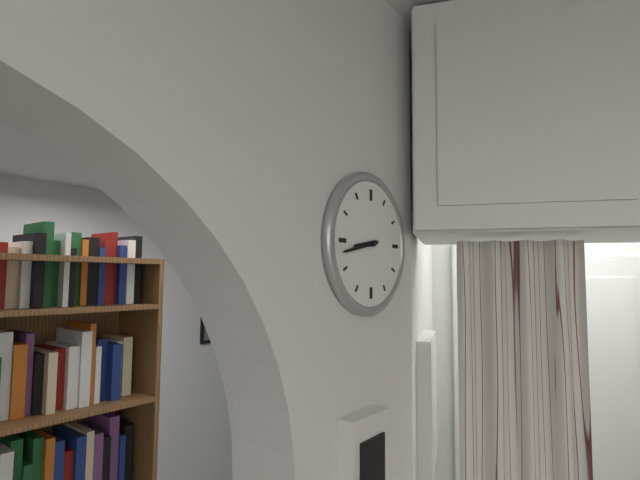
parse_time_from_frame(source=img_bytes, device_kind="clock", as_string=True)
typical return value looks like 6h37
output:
8h43
